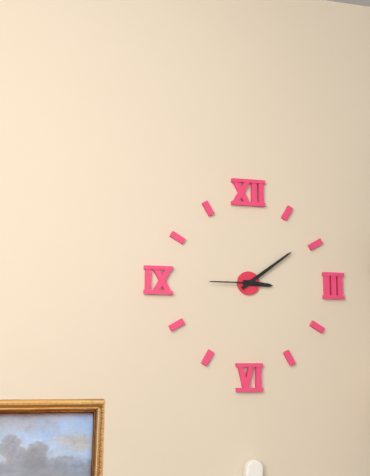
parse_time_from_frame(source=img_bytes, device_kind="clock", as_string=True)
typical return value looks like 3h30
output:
3h09
